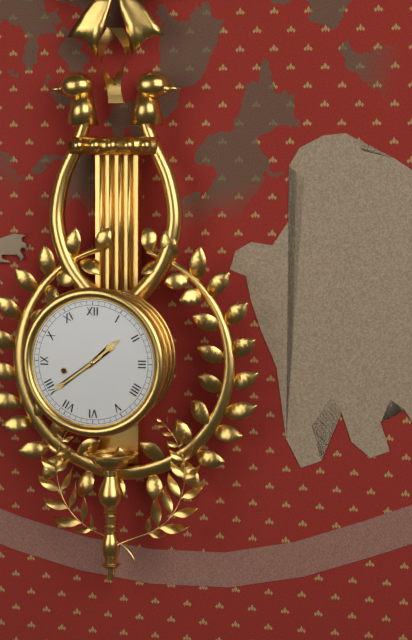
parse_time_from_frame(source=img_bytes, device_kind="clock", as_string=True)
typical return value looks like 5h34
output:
1h39
